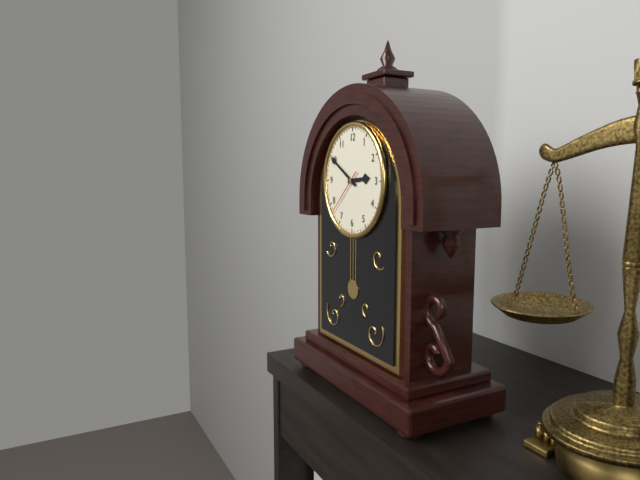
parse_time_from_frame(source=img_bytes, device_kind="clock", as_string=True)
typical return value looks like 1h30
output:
2h50
